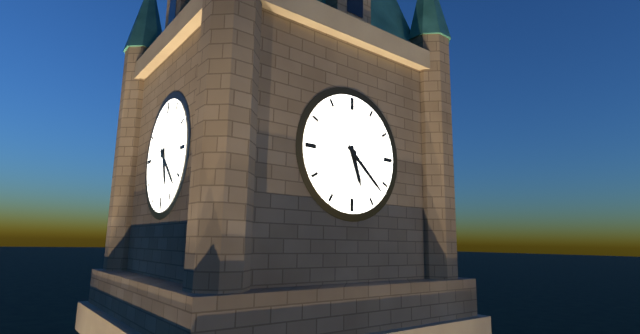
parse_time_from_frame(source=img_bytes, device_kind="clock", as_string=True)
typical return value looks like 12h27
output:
5h22
